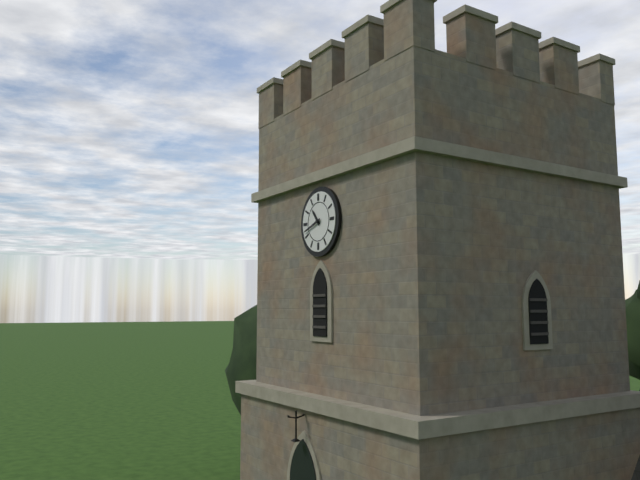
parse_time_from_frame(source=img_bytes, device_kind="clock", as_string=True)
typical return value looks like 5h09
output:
10h42
